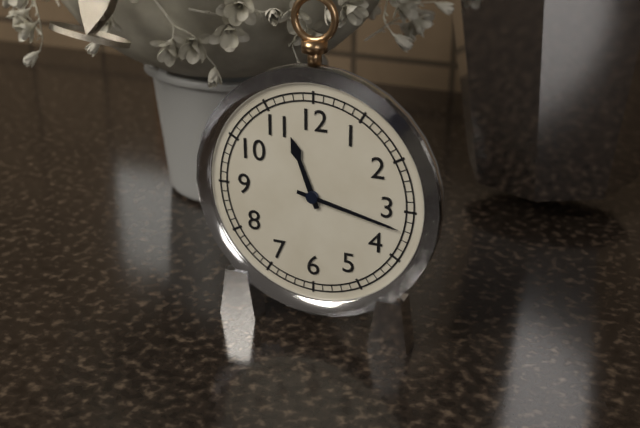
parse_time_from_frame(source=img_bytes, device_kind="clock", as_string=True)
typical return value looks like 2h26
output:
11h17
